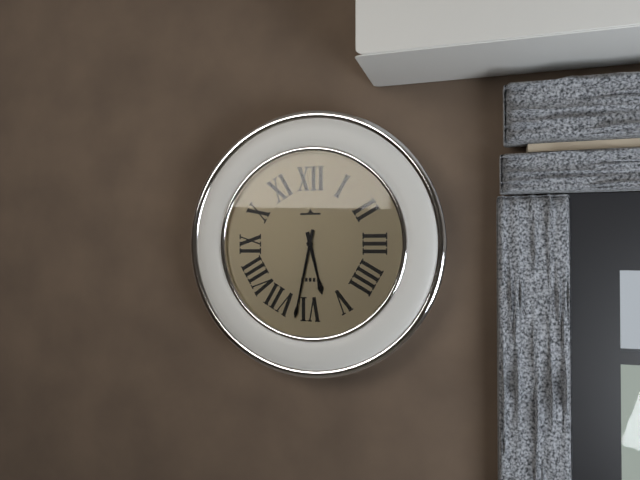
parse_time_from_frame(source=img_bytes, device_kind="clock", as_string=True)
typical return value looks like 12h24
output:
5h32
